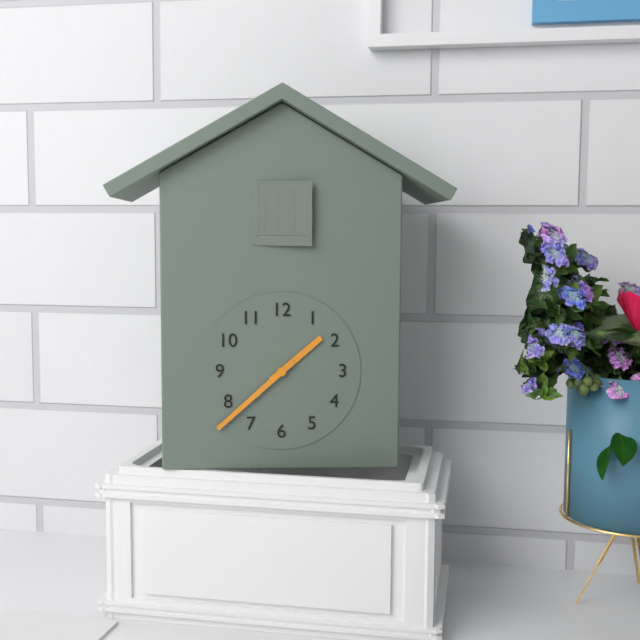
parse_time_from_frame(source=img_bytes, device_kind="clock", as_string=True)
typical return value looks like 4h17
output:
1h38
